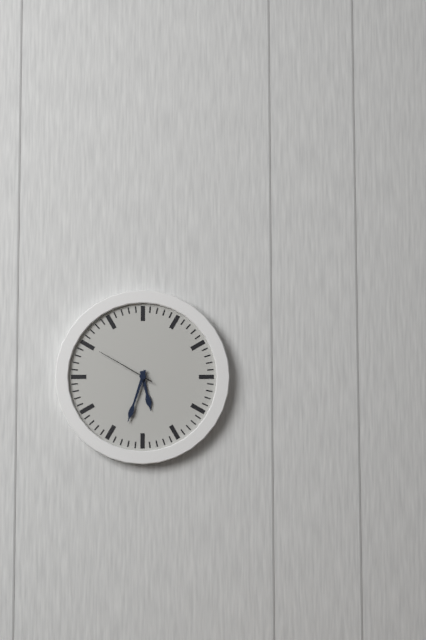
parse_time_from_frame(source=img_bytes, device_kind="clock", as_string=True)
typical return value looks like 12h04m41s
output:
5h33m50s
